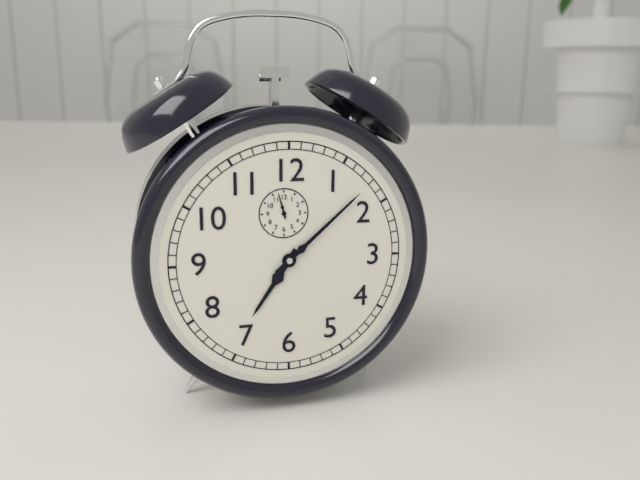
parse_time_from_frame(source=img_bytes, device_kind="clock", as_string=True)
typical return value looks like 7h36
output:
7h08
